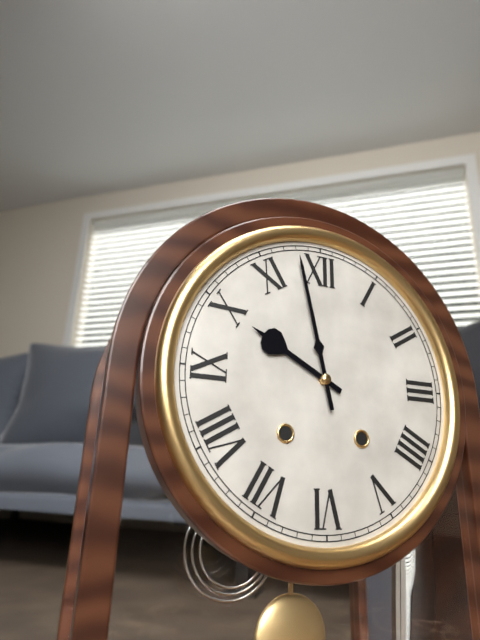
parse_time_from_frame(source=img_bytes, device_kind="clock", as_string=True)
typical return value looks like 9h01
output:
9h58
